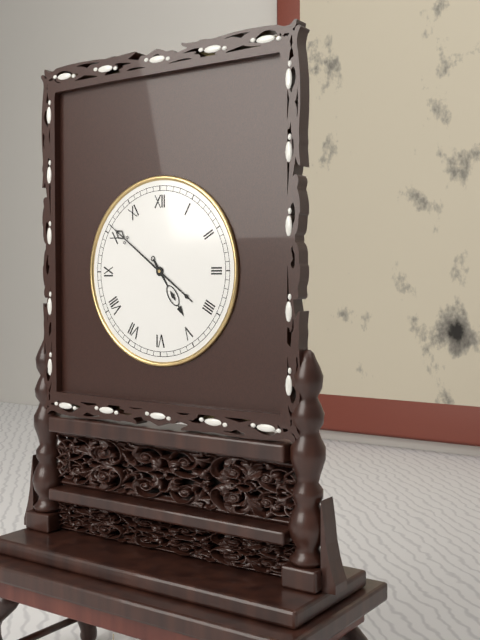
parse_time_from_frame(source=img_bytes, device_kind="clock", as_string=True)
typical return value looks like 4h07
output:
4h51
